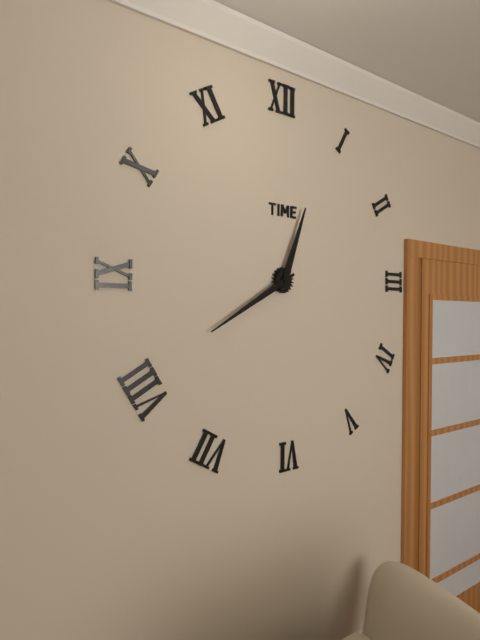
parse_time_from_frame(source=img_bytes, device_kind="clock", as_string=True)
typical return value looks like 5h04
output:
12h40
